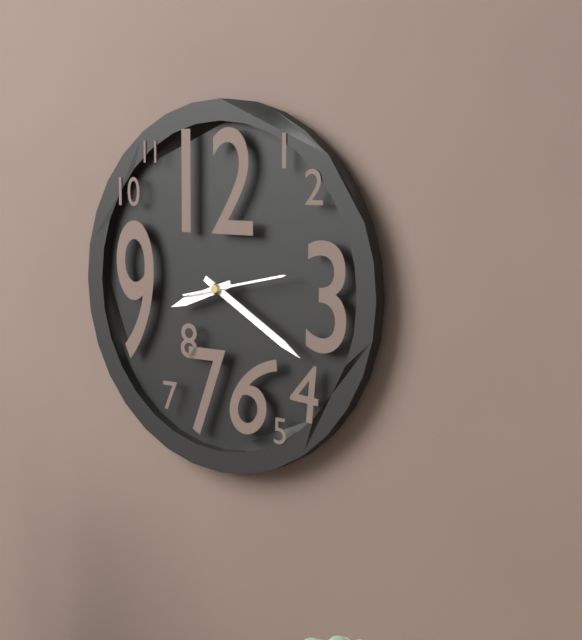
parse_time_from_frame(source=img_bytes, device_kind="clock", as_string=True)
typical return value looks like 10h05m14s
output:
8h20m13s
